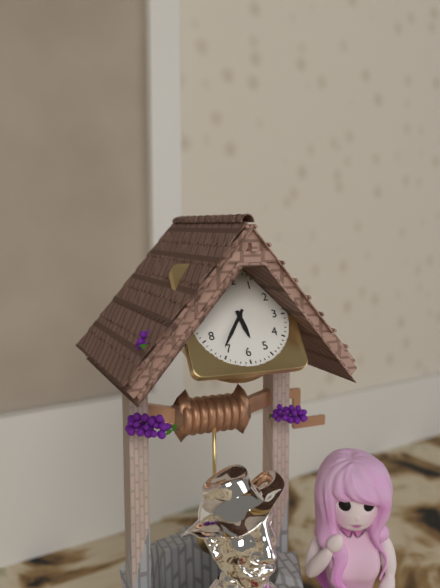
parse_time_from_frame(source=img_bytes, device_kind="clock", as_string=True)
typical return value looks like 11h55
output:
5h36
